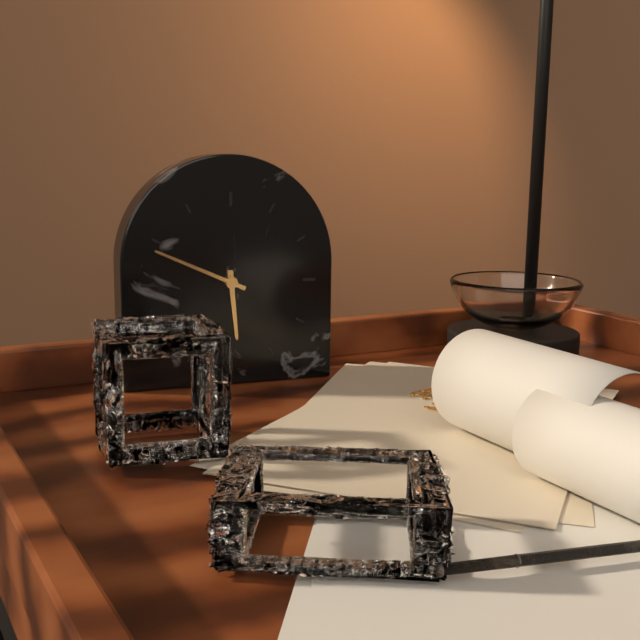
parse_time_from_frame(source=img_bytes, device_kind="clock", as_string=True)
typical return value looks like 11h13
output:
5h49
